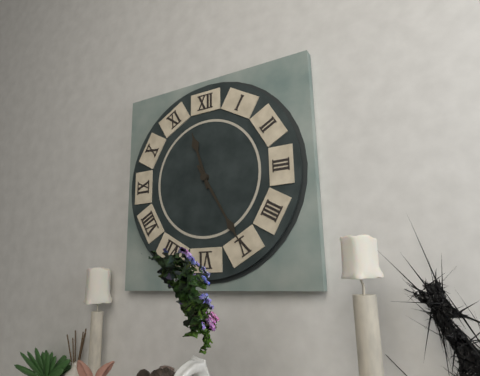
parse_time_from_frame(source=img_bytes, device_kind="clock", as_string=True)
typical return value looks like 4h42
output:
11h25
